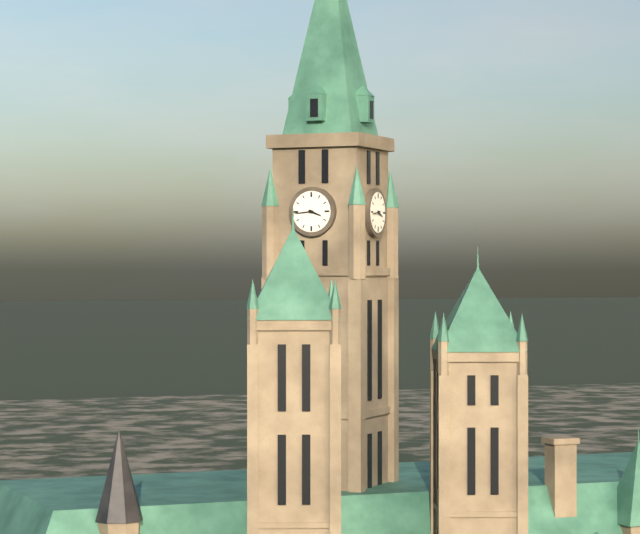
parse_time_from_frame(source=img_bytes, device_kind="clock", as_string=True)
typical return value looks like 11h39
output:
3h44
